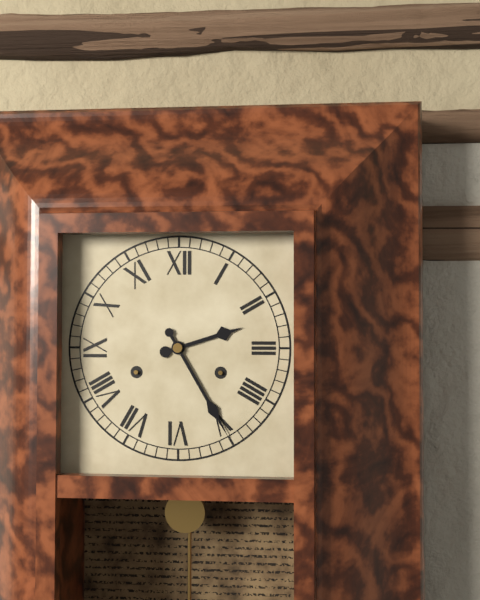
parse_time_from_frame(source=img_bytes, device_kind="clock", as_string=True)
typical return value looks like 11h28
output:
2h25
